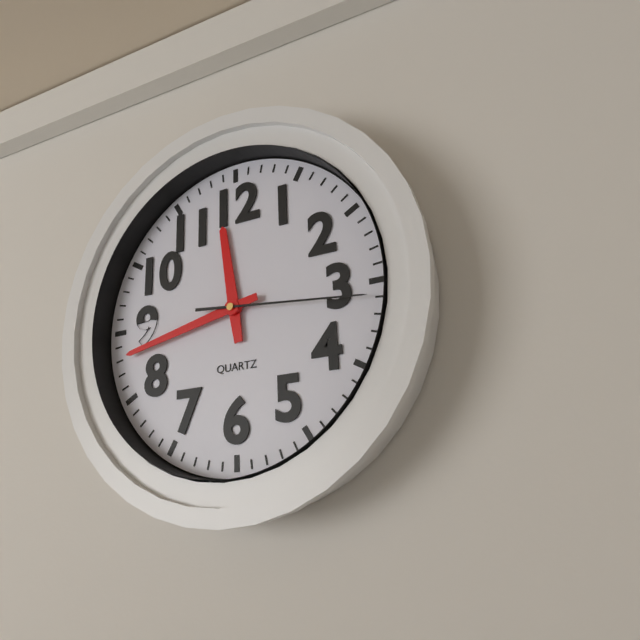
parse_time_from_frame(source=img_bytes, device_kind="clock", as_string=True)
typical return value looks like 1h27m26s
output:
11h43m16s
